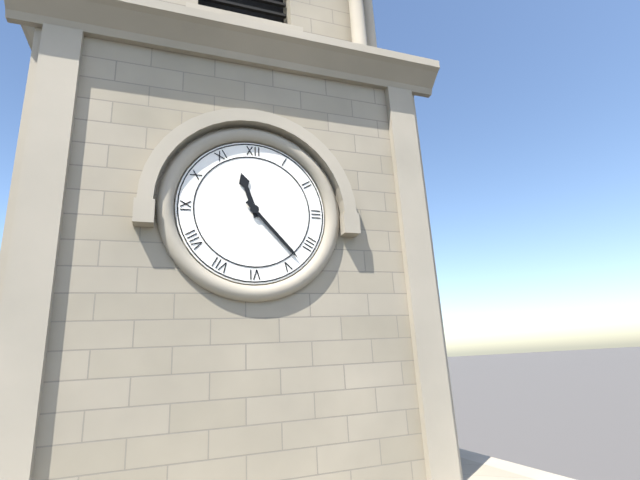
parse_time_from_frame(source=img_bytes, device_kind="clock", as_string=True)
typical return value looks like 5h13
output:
11h23
